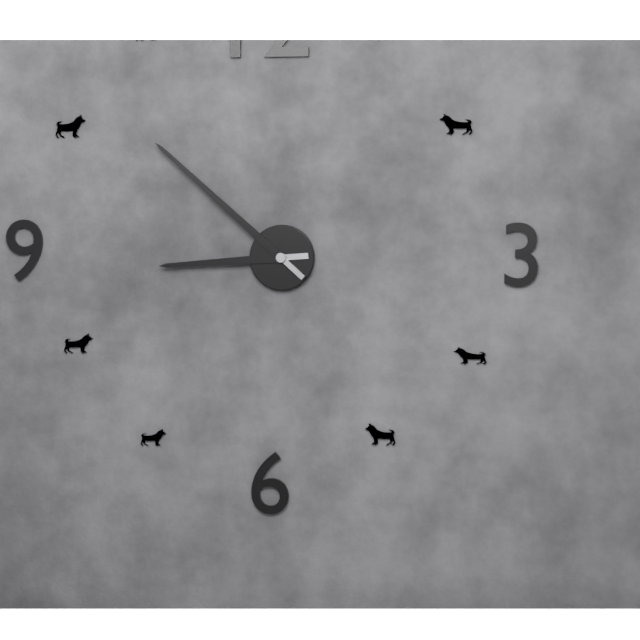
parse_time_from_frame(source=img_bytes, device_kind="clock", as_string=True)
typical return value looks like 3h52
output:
8h52
